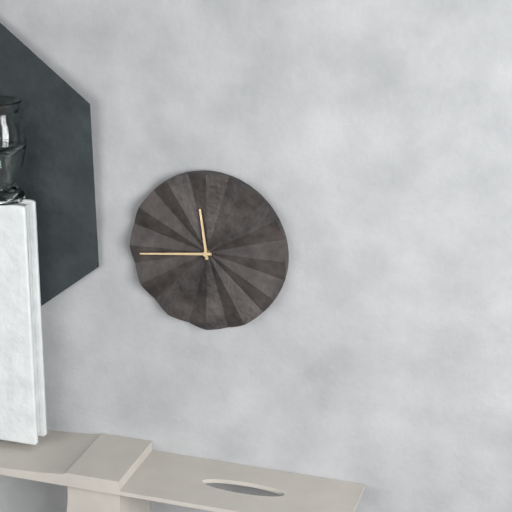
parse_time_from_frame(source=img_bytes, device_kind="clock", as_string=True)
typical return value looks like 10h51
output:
11h44
